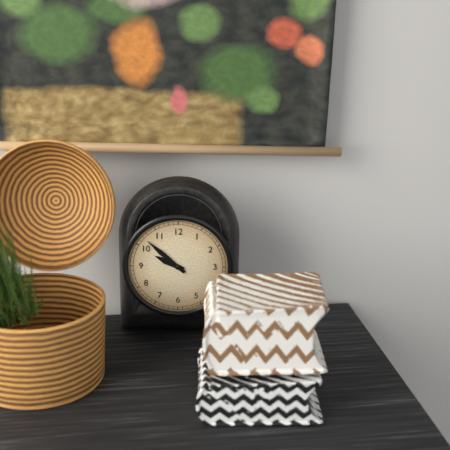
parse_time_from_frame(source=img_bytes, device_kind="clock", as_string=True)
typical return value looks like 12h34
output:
9h52
